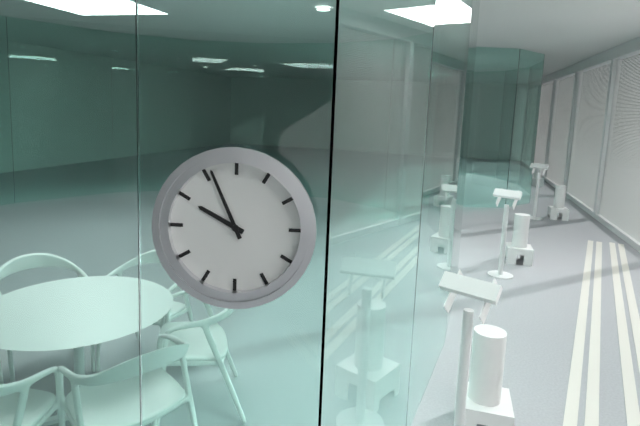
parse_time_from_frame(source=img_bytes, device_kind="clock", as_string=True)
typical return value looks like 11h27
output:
9h56
